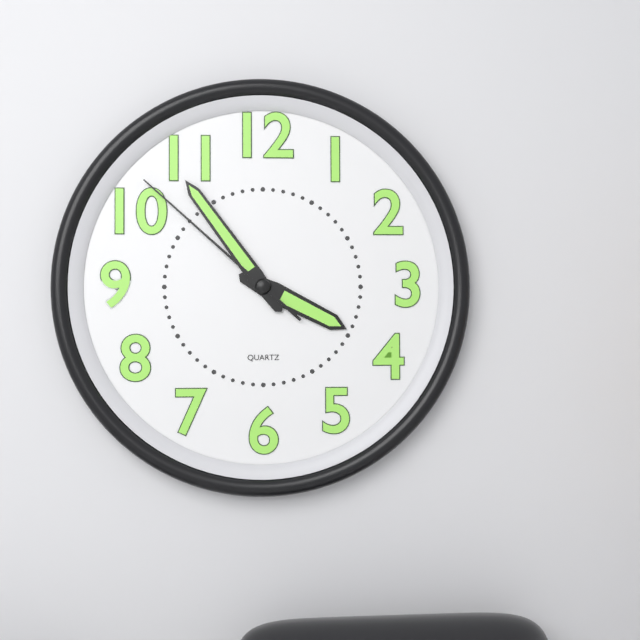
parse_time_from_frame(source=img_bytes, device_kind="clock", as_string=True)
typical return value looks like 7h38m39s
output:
3h54m52s
